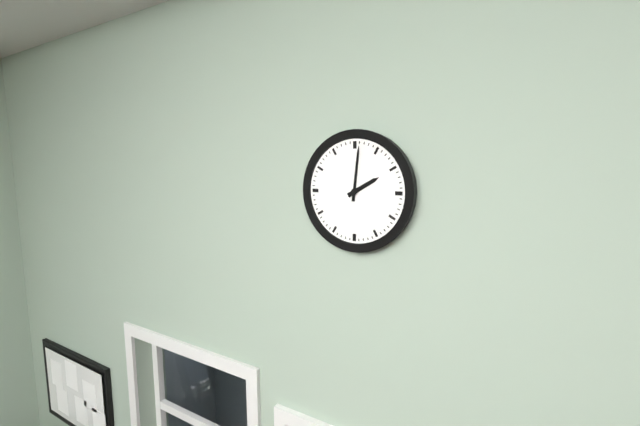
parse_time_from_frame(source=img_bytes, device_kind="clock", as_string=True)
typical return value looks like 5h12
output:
2h01
